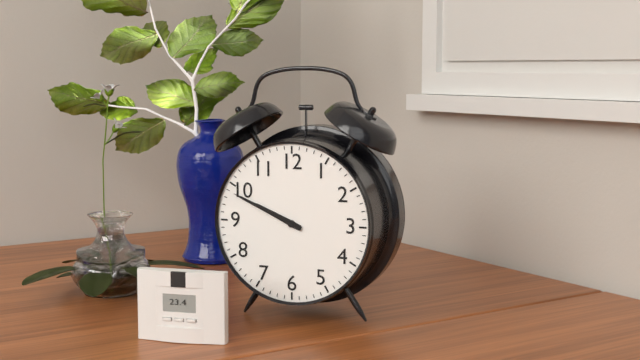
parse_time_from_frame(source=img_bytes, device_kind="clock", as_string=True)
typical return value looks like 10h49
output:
9h49
